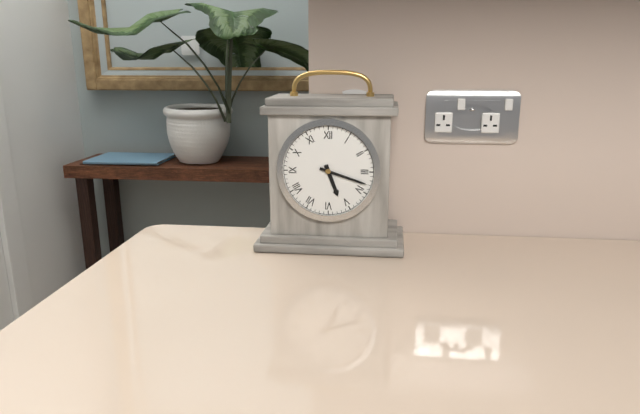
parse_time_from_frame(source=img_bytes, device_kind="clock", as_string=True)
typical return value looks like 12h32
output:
5h18
